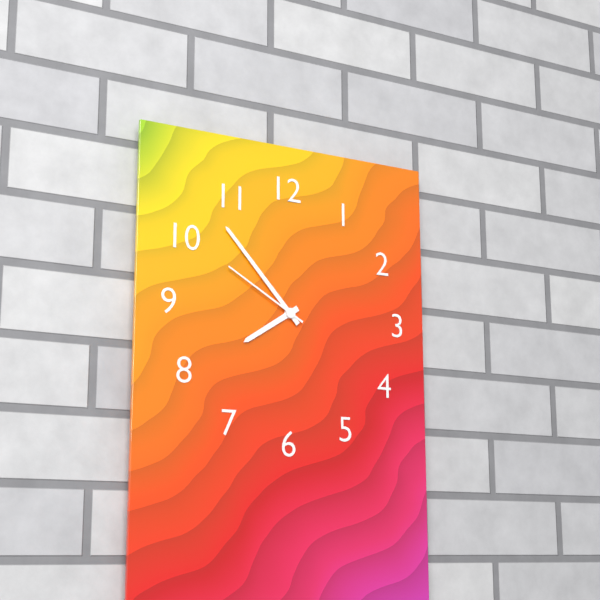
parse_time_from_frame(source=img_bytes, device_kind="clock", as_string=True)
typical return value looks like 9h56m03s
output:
7h53m50s
